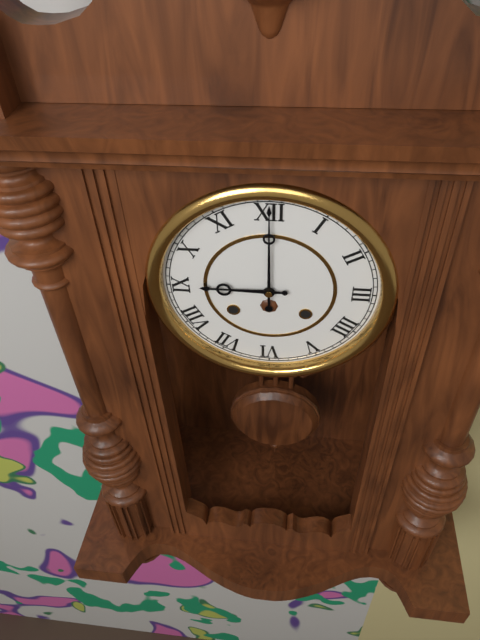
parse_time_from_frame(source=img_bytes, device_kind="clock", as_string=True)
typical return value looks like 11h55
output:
9h00
